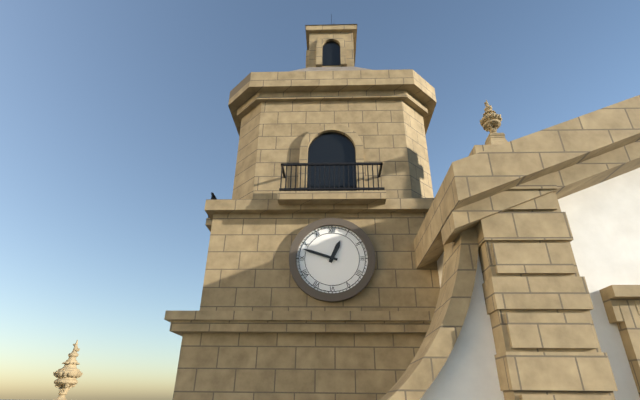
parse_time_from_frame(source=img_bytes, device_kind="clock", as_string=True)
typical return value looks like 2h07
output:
12h48
